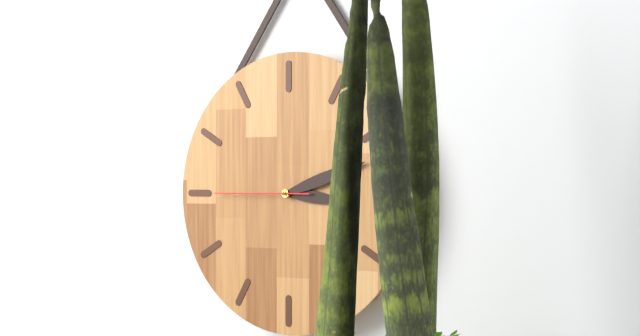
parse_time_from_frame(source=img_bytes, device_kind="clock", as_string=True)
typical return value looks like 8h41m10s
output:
3h12m45s
